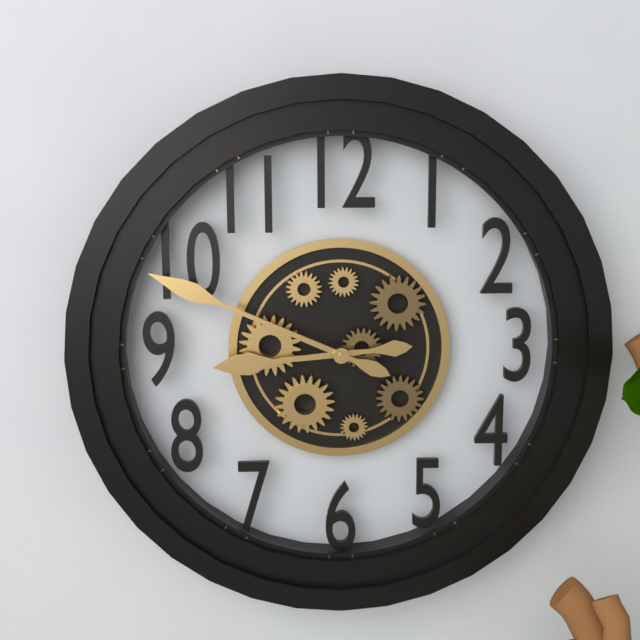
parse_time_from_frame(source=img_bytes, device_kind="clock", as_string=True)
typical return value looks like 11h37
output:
8h49
